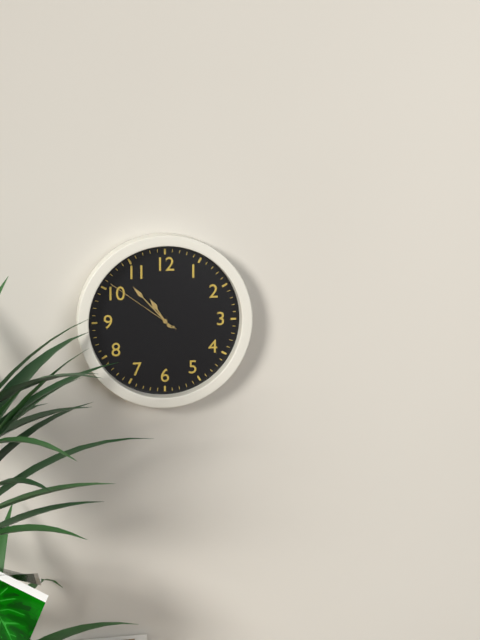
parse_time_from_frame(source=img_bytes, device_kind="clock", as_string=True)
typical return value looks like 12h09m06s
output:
10h53m51s
